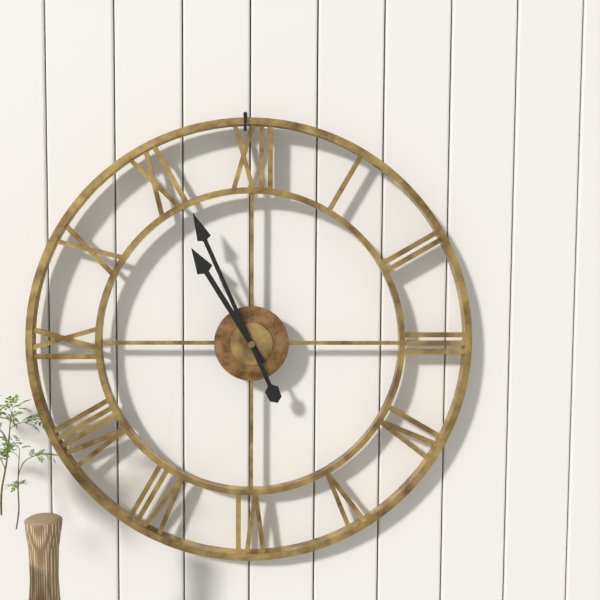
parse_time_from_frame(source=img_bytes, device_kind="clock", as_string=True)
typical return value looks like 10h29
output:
10h56
